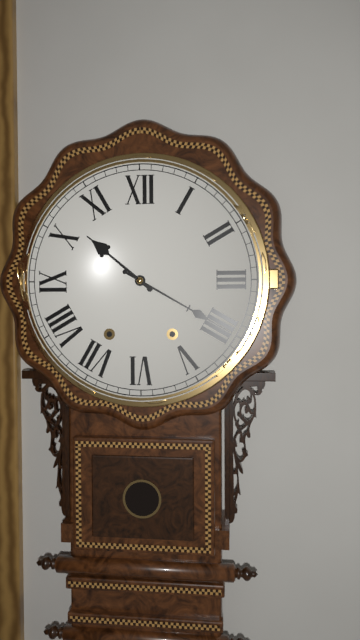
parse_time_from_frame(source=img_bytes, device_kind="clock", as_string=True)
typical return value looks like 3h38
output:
10h20
